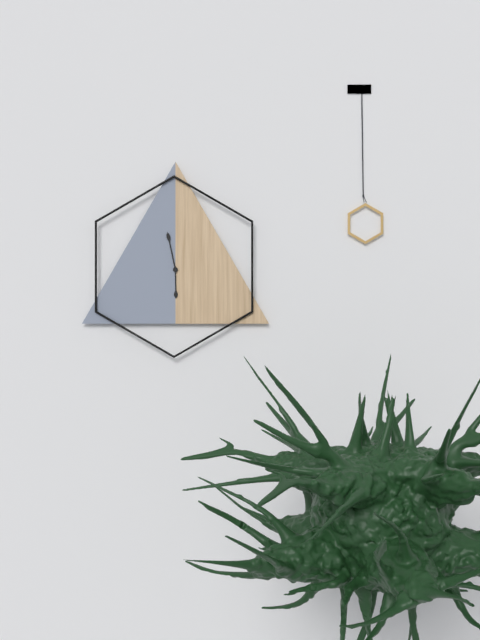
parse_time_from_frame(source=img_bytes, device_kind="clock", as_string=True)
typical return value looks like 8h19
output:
5h58
